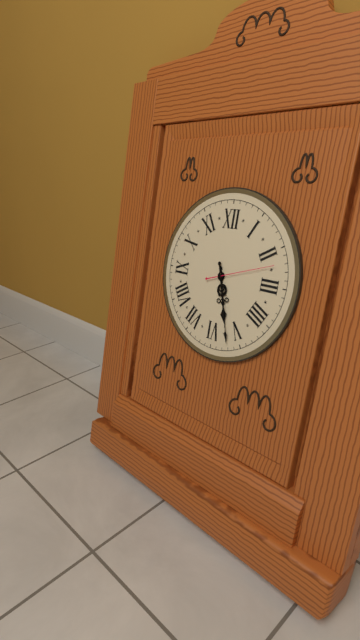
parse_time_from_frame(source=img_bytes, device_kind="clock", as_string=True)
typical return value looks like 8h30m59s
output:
5h27m12s
